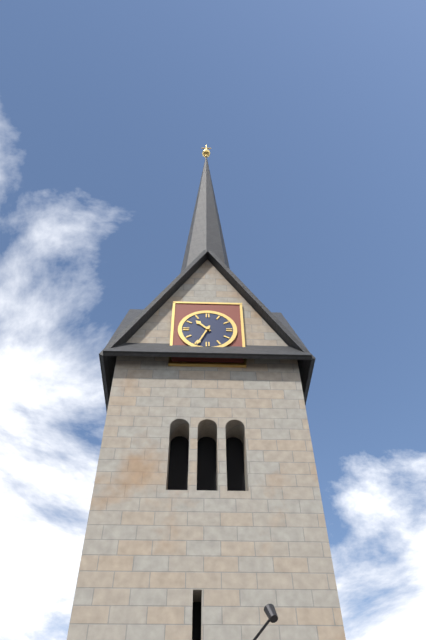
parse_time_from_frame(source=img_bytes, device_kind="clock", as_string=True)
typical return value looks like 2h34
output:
10h34
